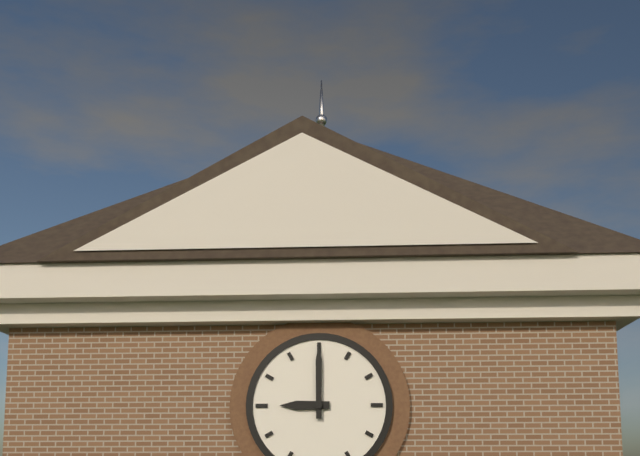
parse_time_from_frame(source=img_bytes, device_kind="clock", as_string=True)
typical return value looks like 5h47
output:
9h00
